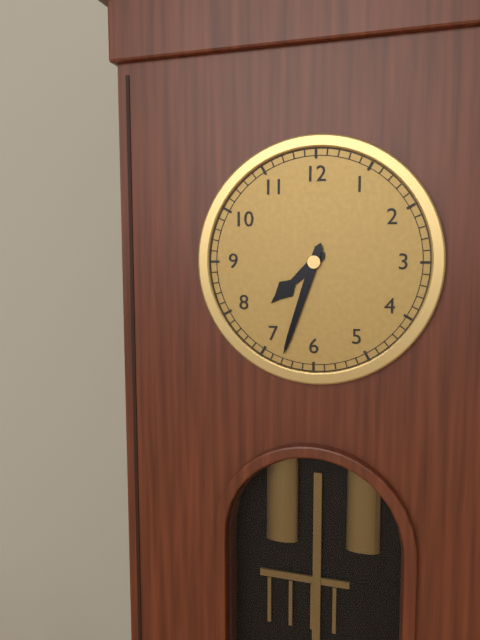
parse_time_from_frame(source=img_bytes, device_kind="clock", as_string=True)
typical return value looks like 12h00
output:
7h33
